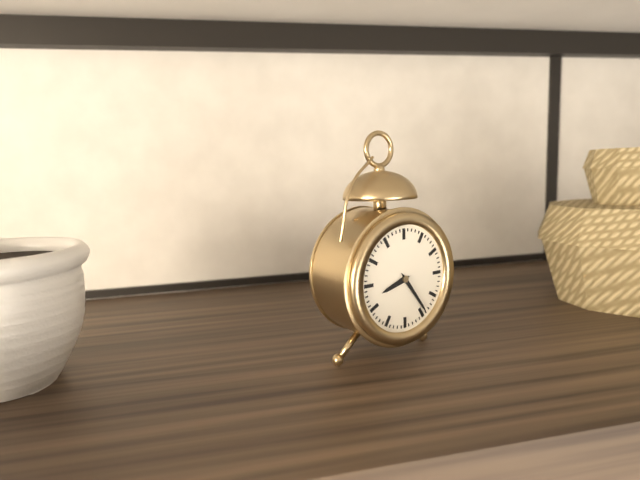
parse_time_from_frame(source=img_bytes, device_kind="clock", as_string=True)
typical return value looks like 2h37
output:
8h24
